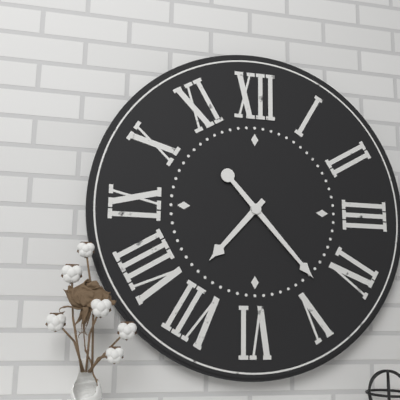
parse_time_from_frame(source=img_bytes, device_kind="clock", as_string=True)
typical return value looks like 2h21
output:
7h23
